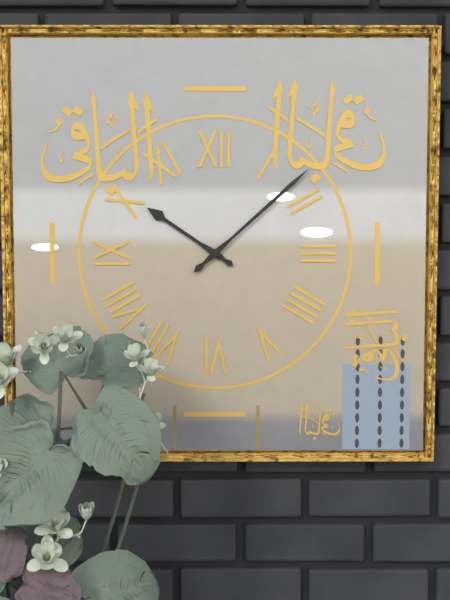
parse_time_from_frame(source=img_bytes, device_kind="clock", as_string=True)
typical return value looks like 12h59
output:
10h08
